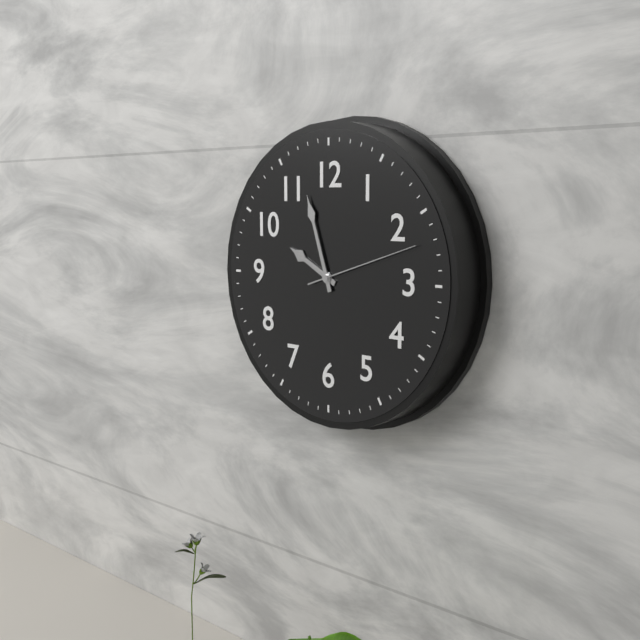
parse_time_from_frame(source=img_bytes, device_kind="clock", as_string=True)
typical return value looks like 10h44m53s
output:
9h57m12s
